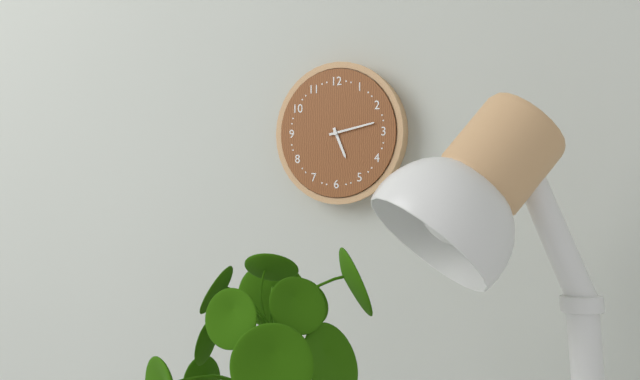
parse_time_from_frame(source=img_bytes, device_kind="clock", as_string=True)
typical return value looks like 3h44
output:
5h13
